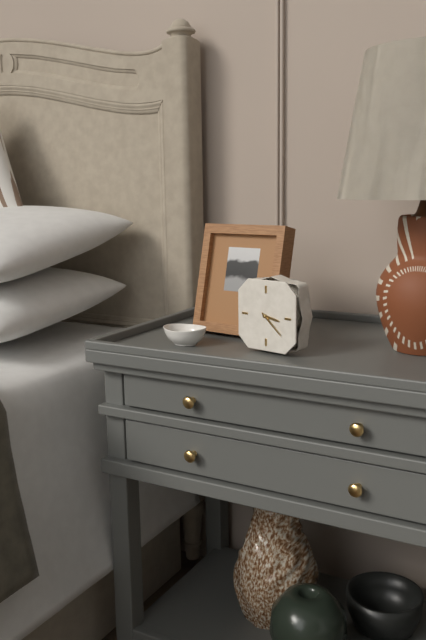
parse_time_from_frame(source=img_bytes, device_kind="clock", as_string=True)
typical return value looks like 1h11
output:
3h22
